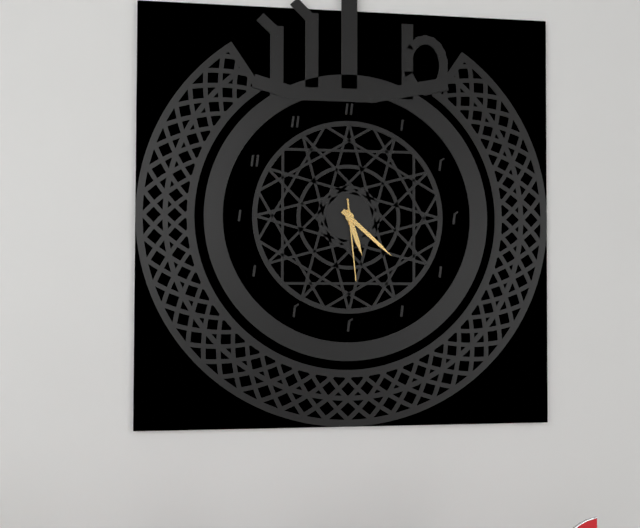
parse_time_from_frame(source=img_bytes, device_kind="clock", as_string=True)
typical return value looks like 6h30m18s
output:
5h22m29s
